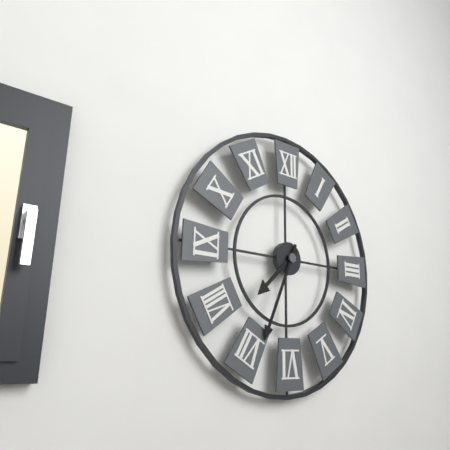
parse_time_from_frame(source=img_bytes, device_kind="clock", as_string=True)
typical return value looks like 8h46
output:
7h34
